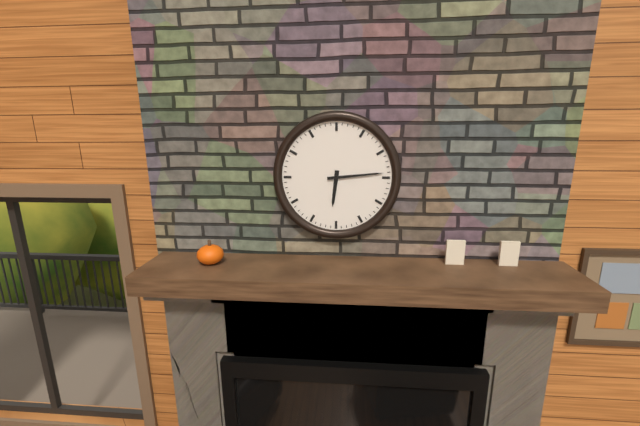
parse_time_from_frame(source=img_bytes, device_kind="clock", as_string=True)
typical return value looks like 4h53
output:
6h14
